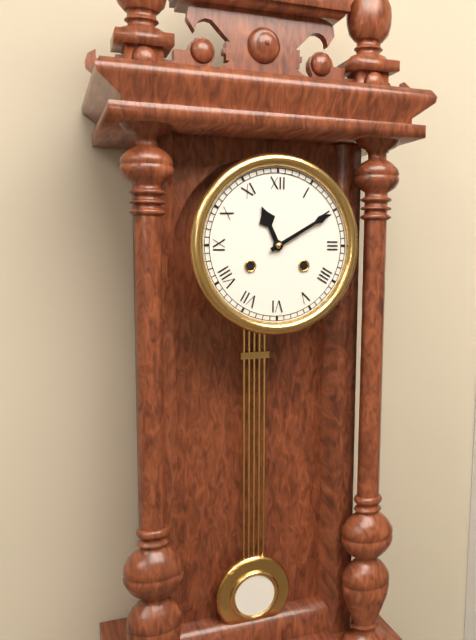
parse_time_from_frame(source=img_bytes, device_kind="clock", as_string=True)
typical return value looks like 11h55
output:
11h10
